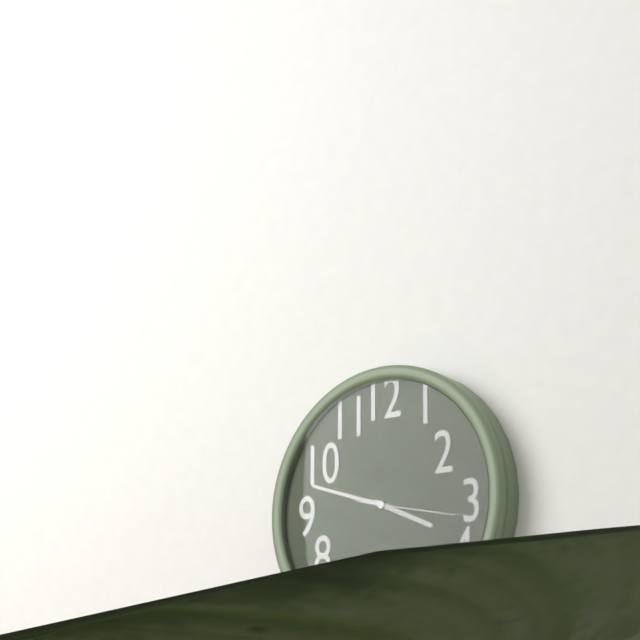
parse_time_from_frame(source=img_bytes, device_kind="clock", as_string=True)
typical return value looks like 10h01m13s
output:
3h48m17s
